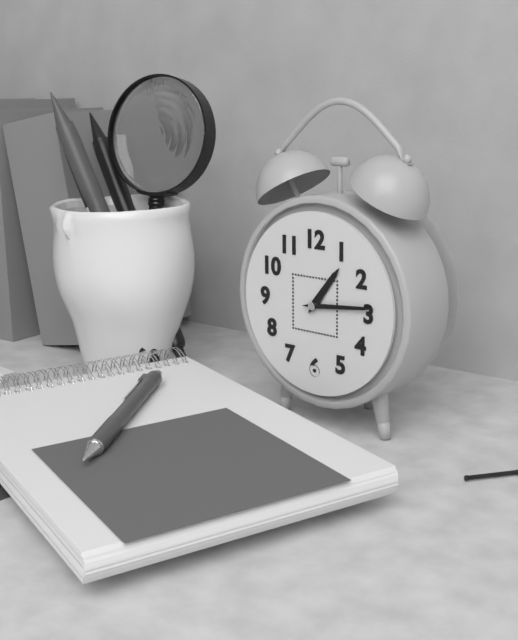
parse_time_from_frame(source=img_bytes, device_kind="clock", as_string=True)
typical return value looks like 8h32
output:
1h14
